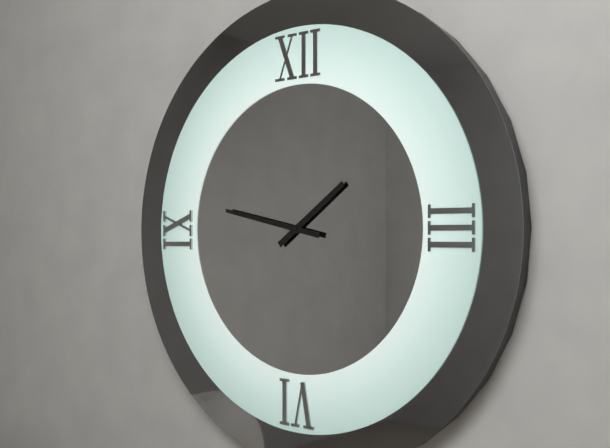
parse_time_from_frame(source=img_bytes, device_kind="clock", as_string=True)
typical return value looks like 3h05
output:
1h47
